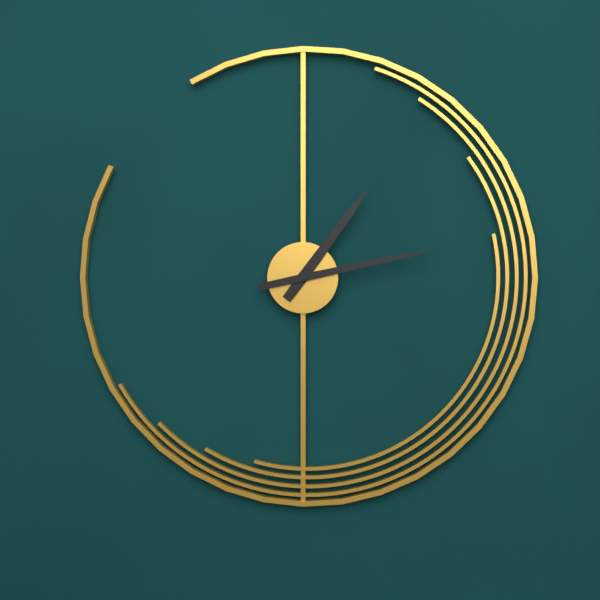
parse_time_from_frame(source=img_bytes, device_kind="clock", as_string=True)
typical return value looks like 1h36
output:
1h13
